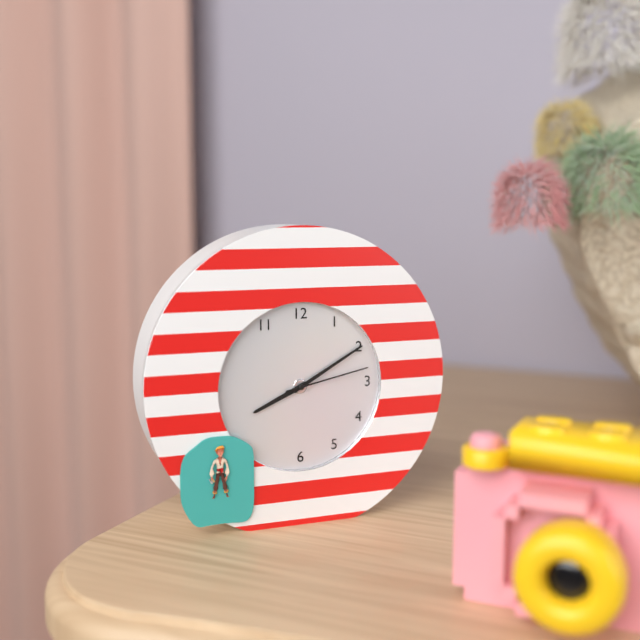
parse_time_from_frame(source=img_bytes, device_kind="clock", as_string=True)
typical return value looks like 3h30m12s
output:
8h10m13s
